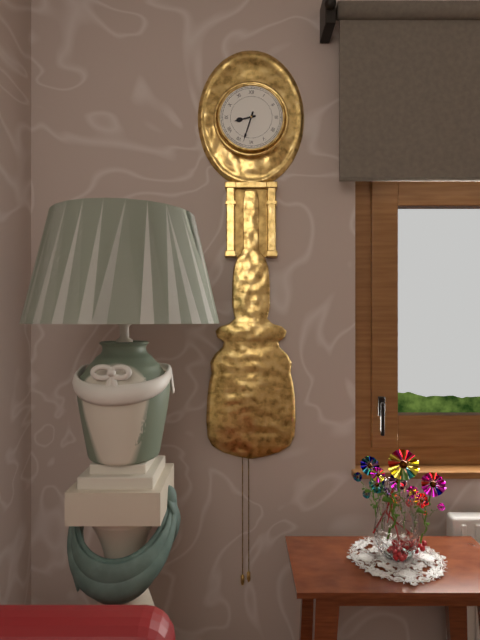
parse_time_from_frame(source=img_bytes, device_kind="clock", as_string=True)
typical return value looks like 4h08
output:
8h33
